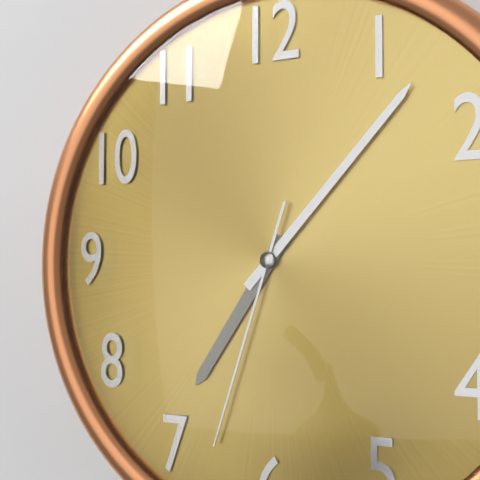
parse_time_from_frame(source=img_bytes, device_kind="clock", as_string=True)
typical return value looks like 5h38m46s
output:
7h07m33s
